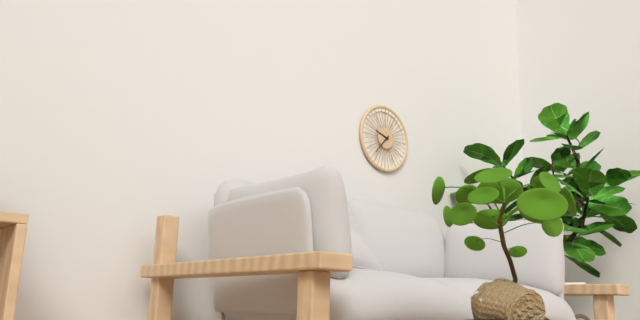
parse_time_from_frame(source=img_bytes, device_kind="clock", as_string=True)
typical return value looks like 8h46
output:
9h37
